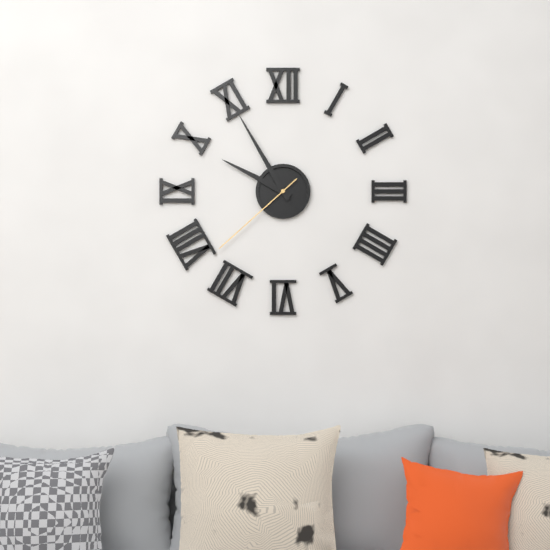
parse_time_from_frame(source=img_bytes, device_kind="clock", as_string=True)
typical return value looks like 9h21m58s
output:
9h55m38s
